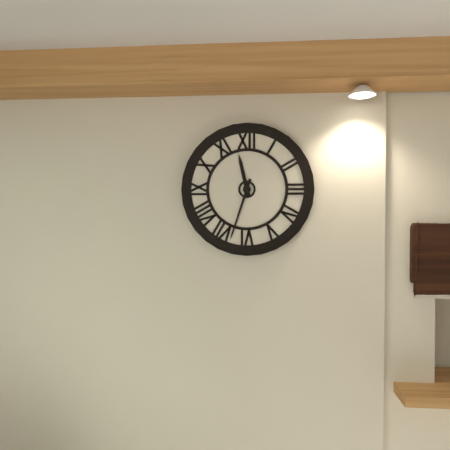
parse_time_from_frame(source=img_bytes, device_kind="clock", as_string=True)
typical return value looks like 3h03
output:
11h33
